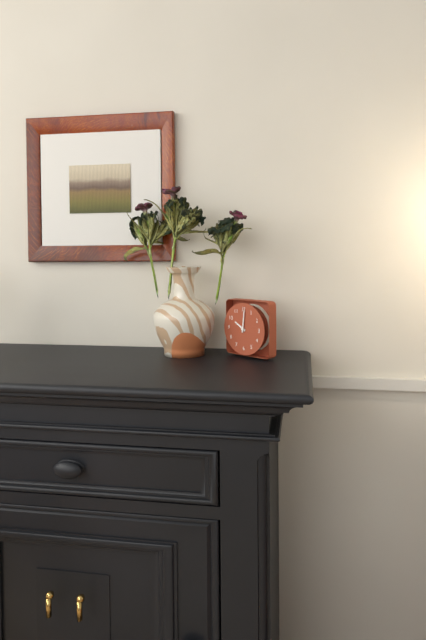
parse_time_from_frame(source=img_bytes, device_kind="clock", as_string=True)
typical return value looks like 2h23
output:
10h01
